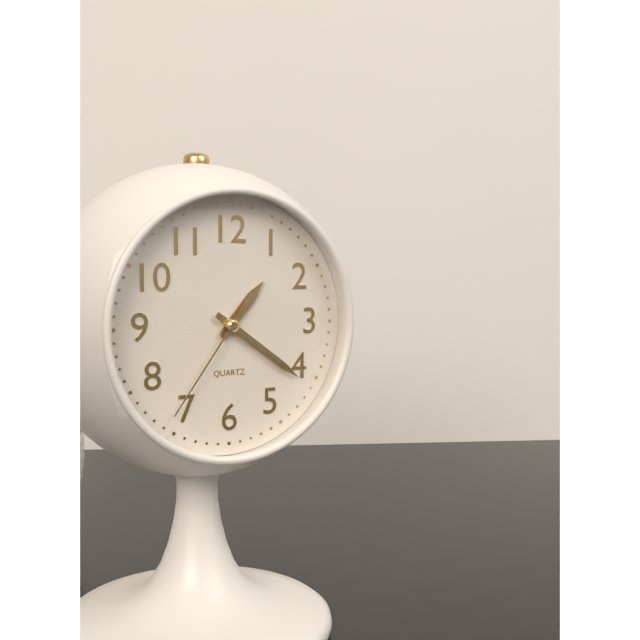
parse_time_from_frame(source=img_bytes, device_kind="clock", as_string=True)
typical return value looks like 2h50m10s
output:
1h21m36s
